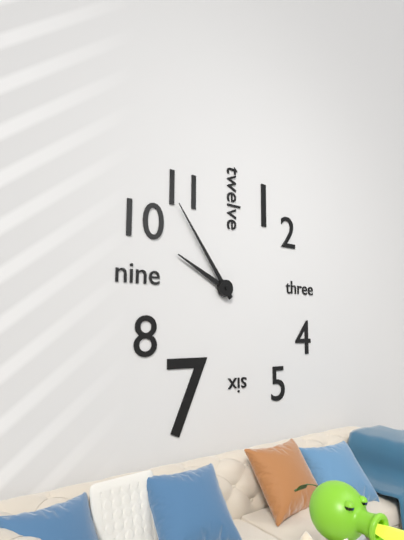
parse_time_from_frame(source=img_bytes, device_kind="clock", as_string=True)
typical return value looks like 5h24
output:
9h54
